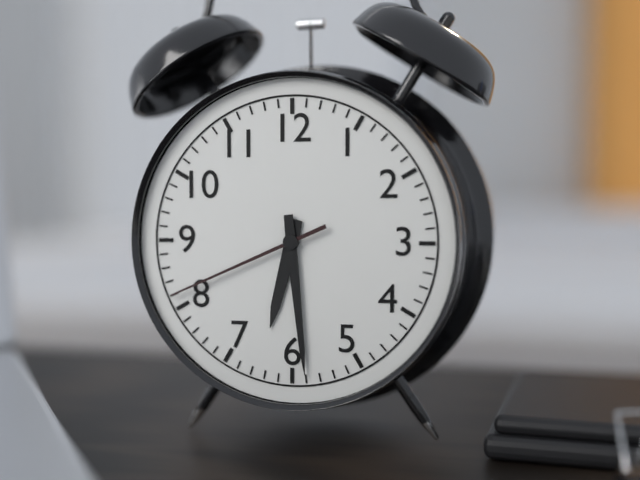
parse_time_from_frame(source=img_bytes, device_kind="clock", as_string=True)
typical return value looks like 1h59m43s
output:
6h29m41s
